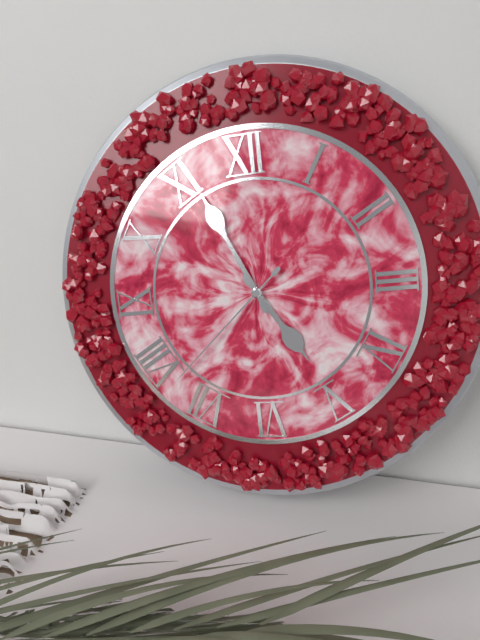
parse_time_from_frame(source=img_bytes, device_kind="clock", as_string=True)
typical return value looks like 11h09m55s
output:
4h56m38s
